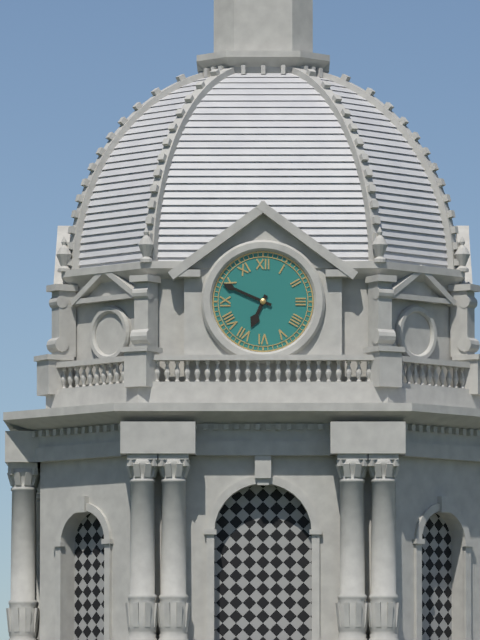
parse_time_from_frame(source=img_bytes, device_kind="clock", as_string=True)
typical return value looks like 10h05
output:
6h49
